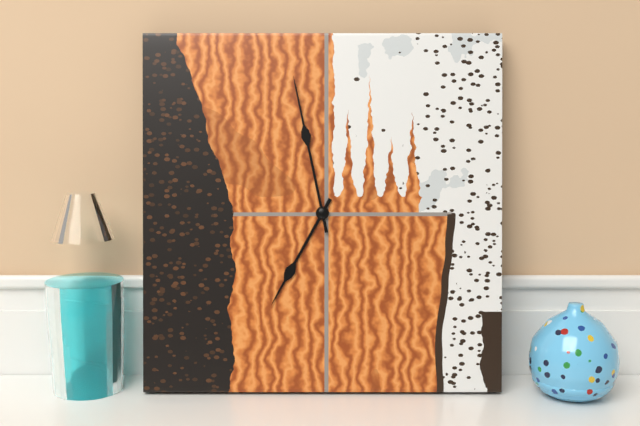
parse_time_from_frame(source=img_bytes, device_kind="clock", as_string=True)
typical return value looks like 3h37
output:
6h58
